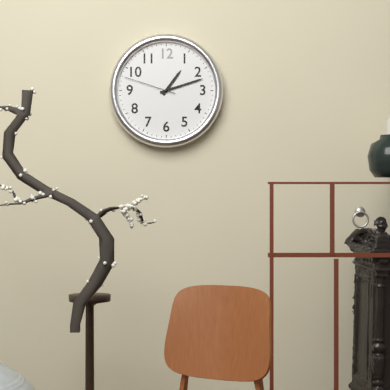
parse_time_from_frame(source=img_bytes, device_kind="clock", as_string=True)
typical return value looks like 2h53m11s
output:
1h12m48s
